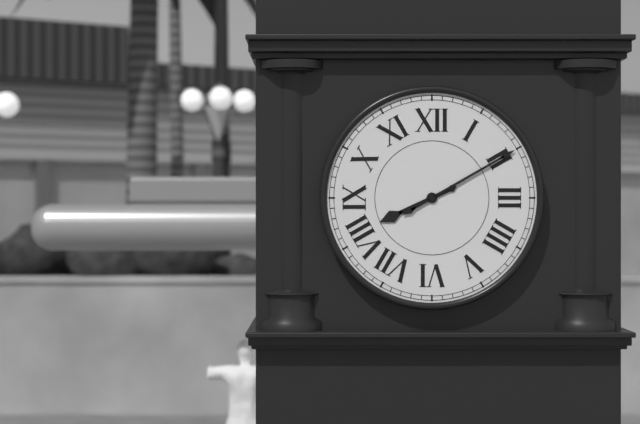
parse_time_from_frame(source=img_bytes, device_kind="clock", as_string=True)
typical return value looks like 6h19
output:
8h10
